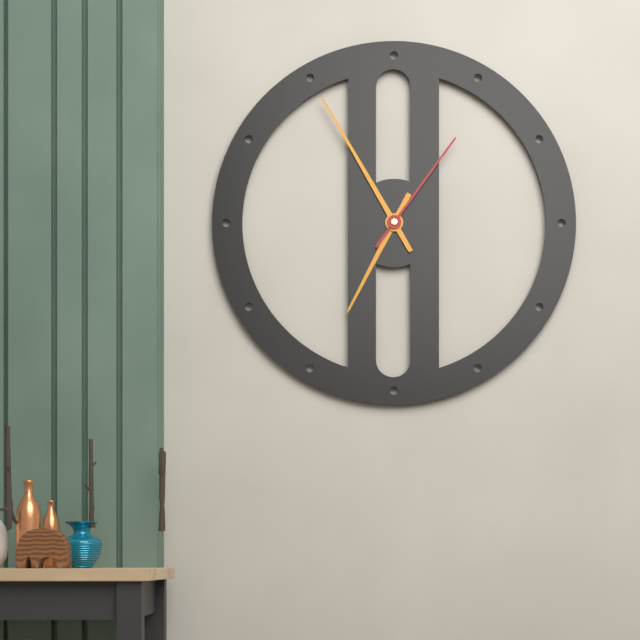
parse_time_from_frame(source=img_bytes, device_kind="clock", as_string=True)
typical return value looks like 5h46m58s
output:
6h55m06s
